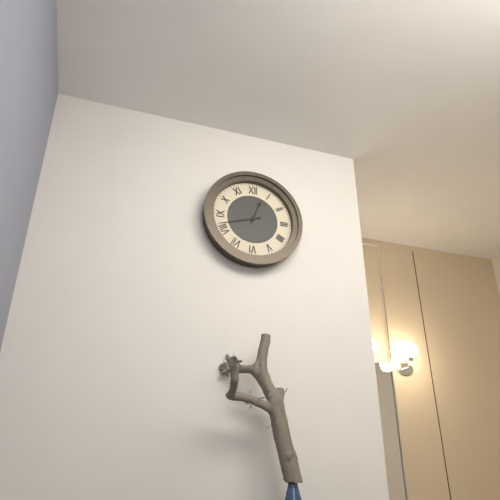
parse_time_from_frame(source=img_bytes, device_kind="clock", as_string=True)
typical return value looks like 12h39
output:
12h42
